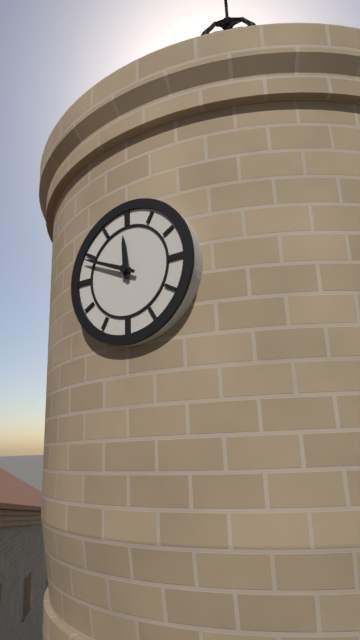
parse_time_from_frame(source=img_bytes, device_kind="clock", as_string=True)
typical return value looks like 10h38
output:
11h49
